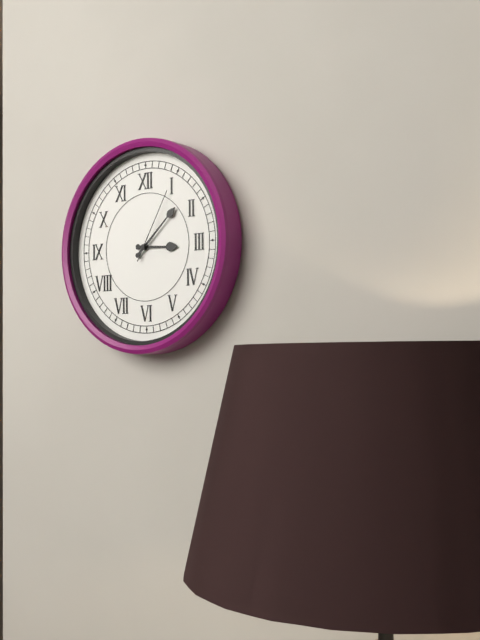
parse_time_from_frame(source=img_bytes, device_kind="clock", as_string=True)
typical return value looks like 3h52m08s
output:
3h08m05s
